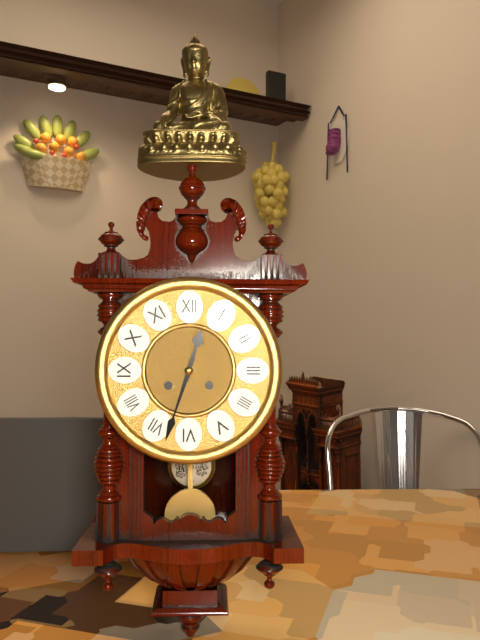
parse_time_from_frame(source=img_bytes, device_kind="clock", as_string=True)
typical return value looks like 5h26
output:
12h33
